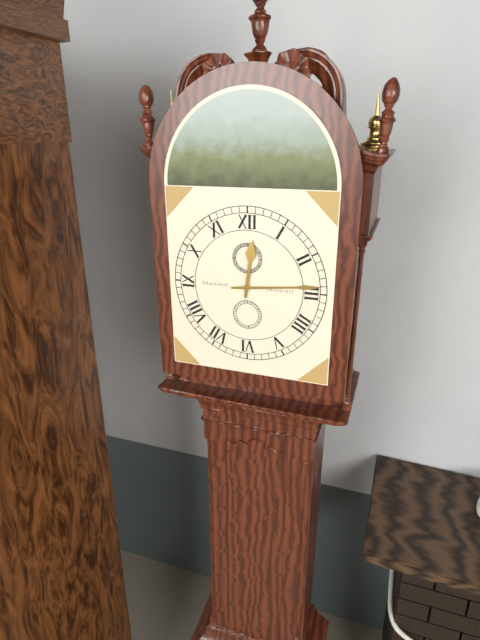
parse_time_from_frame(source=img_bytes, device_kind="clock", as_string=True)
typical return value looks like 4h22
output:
12h14
